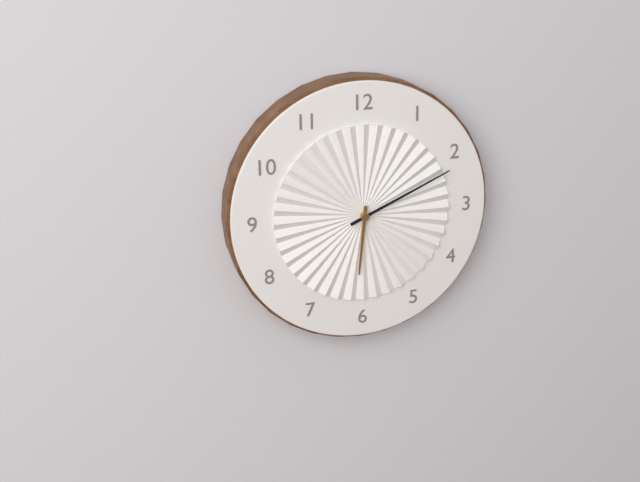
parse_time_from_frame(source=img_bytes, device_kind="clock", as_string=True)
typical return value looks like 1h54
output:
6h11
